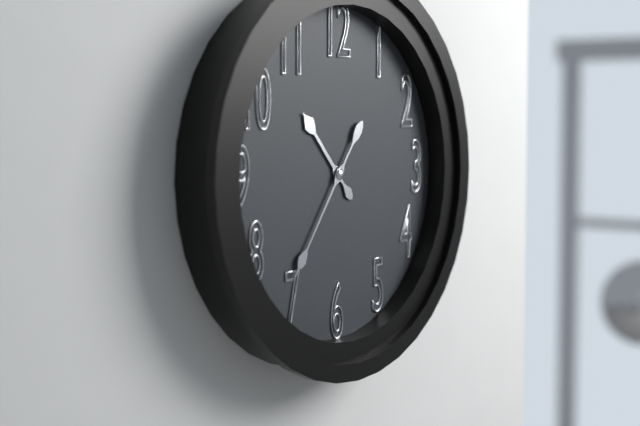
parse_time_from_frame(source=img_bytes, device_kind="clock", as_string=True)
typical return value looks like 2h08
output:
10h36
